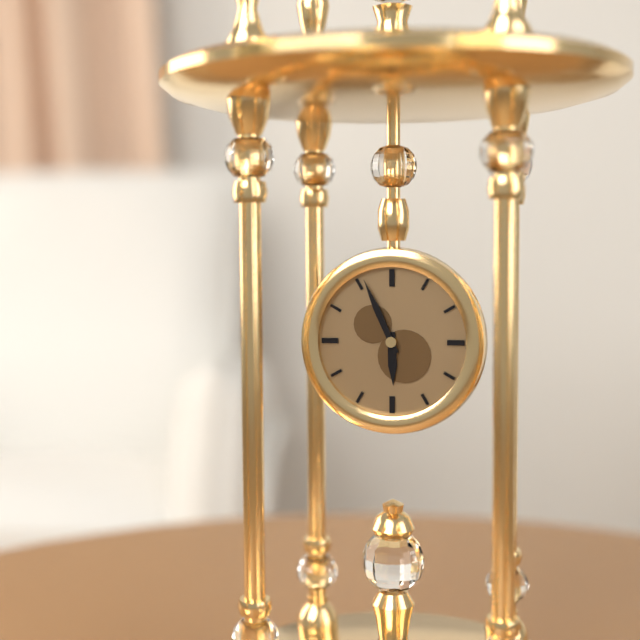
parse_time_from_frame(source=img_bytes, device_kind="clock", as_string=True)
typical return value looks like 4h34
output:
5h56
